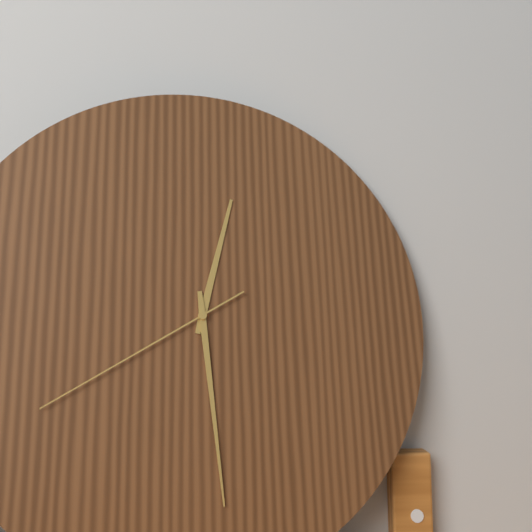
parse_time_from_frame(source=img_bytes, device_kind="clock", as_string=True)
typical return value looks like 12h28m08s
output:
12h29m40s
